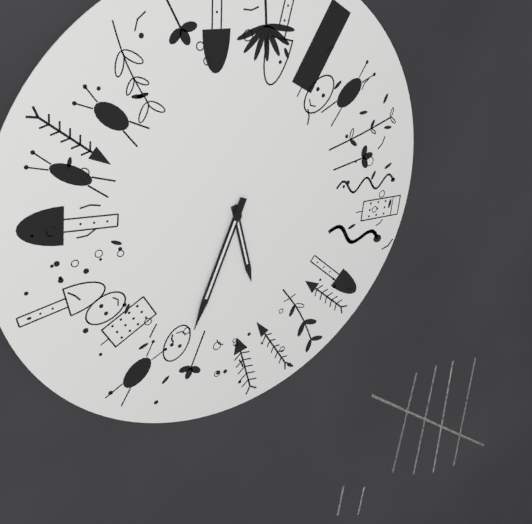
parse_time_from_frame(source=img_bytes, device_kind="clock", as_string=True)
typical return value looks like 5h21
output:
5h34
